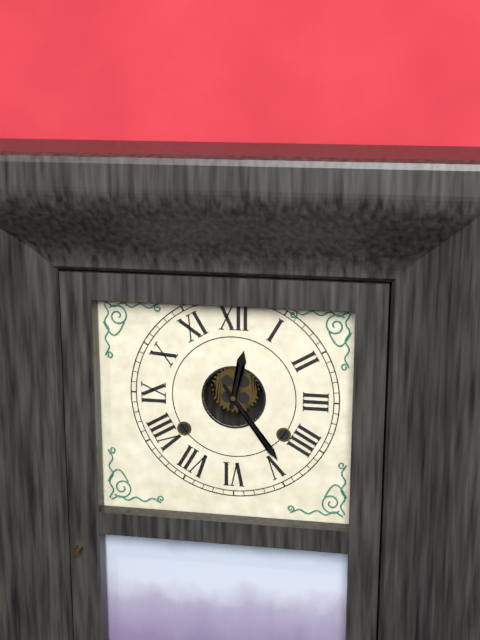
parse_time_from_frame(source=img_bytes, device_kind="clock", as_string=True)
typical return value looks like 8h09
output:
12h24
